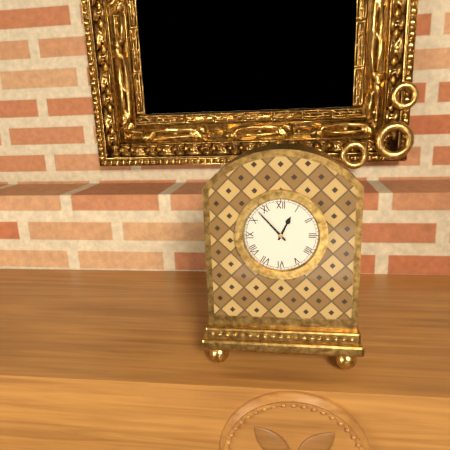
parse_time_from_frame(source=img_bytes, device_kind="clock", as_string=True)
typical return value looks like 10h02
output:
12h53
